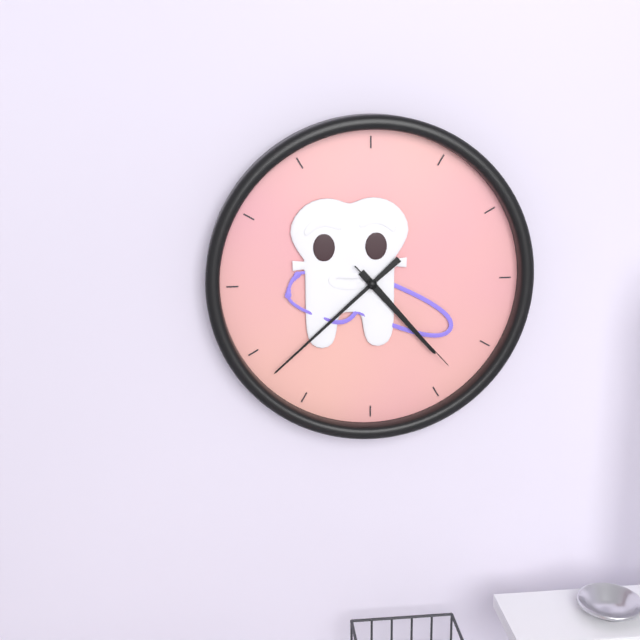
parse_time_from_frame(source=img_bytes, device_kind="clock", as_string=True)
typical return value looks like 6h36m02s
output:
4h38m23s
